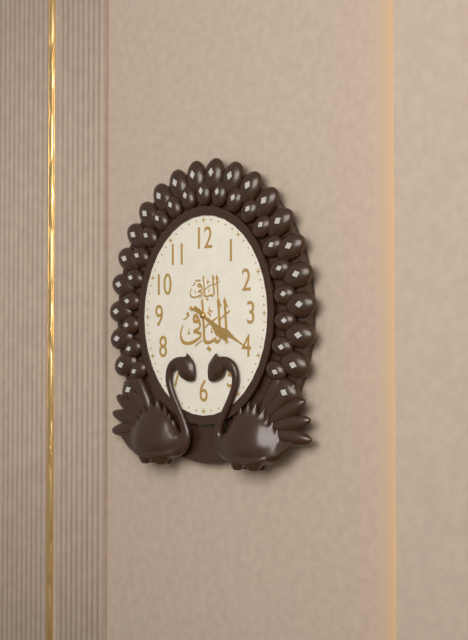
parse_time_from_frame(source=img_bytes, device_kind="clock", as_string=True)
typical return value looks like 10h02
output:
4h20
